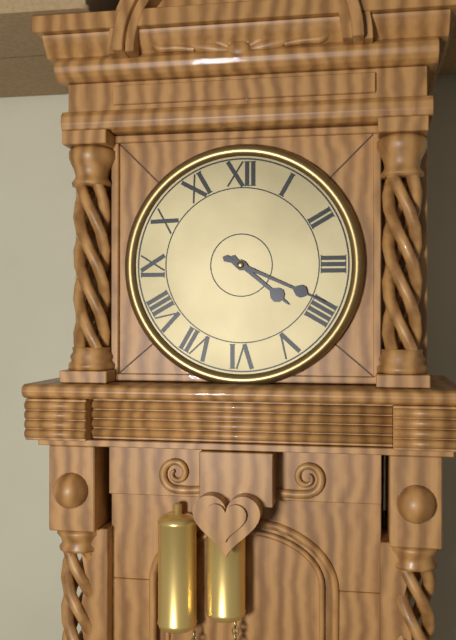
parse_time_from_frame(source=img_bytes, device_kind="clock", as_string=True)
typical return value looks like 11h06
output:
4h19
